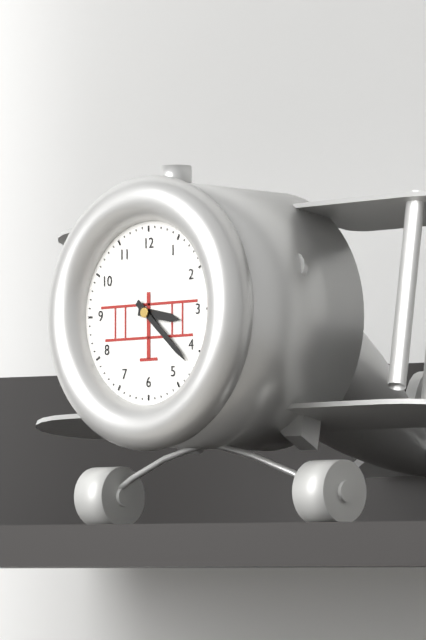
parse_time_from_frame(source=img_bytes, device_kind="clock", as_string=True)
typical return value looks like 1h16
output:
3h22
